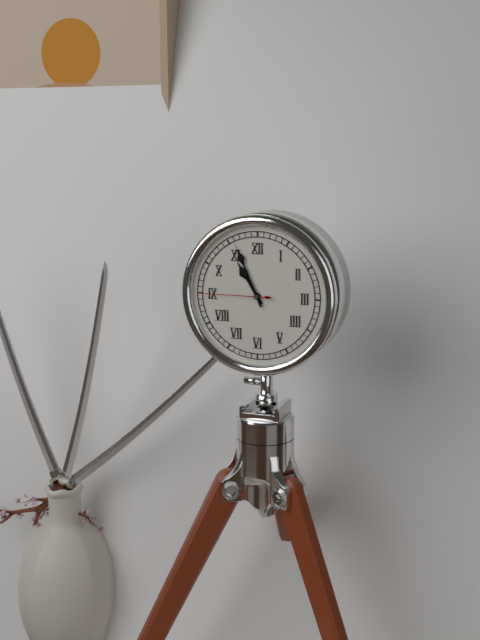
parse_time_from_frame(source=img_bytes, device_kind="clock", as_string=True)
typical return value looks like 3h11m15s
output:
10h56m45s
